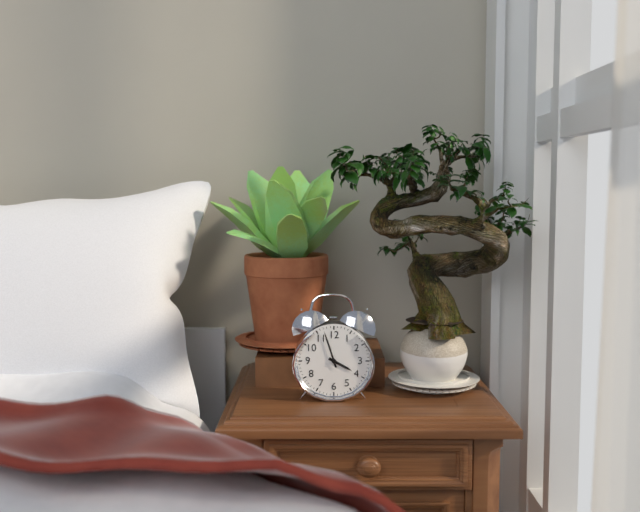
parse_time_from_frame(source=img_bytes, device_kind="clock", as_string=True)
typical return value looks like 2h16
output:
3h57
